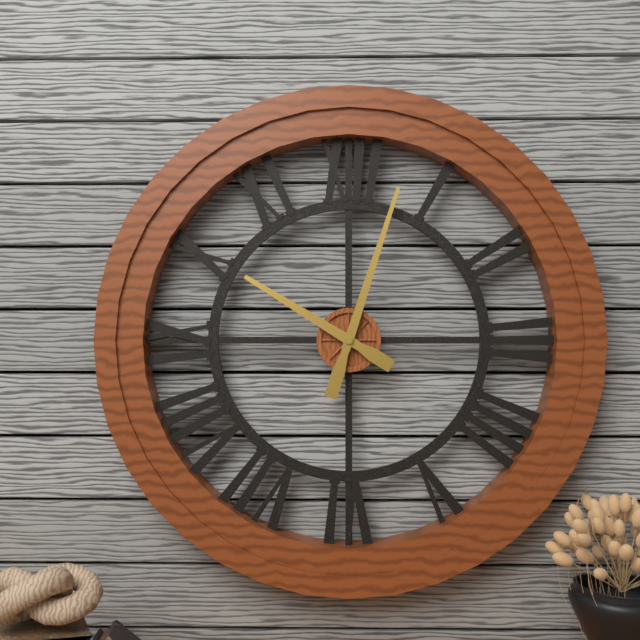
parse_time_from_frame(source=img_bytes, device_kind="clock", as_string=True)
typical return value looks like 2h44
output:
10h03
